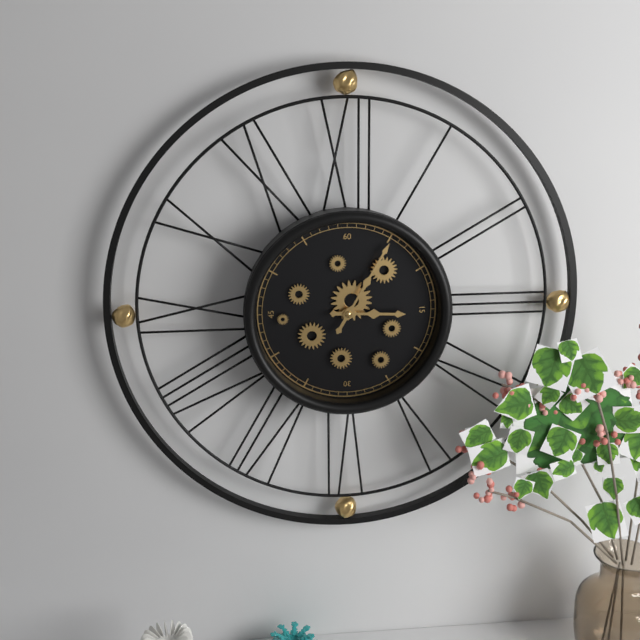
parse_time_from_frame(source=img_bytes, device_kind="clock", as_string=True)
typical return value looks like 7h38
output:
3h05
